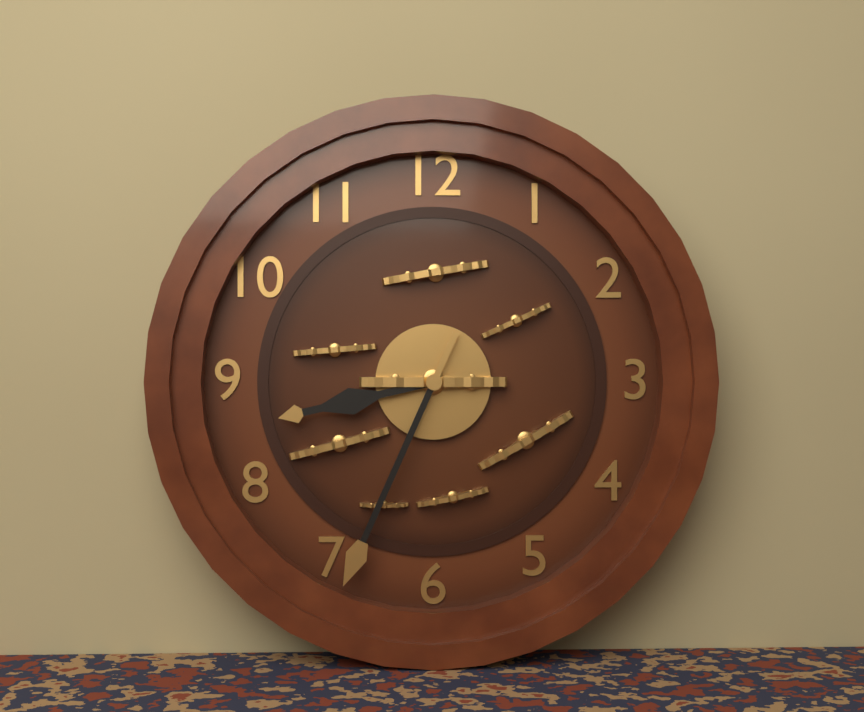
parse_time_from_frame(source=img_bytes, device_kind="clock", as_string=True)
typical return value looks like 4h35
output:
8h34
